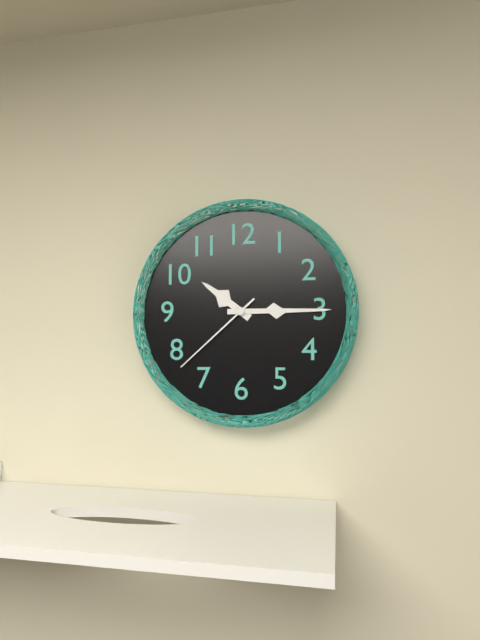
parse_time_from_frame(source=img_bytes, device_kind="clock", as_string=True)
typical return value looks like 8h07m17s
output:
10h15m38s
